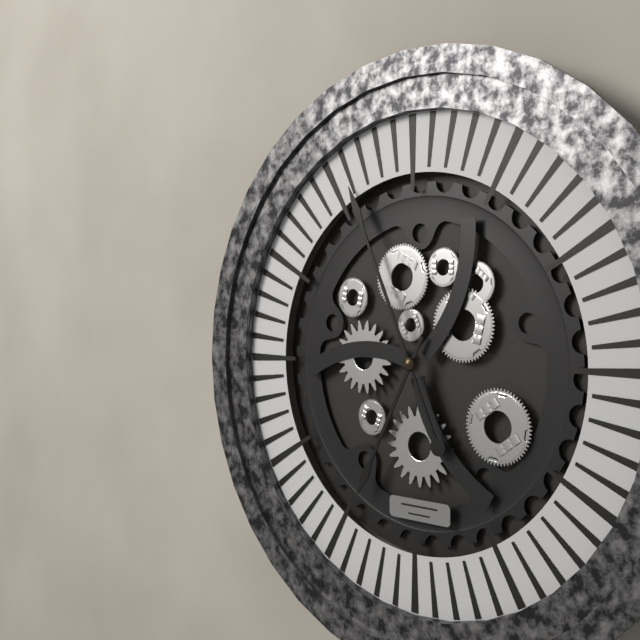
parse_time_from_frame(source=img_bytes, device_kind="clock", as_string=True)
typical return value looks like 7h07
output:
6h56
